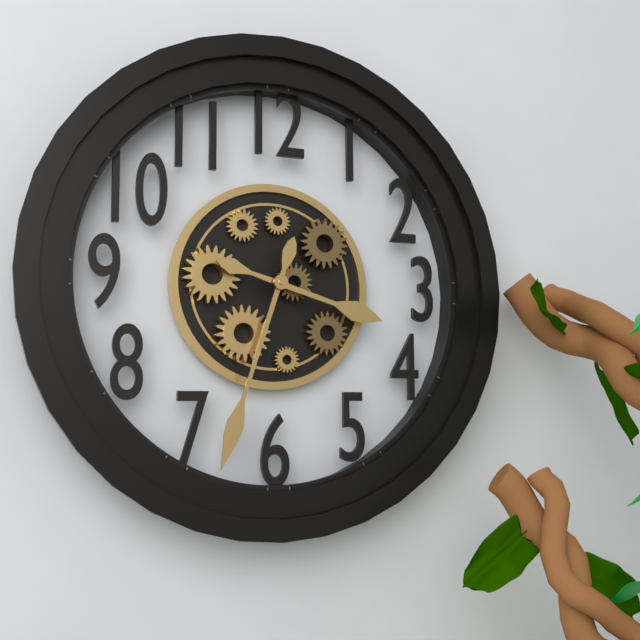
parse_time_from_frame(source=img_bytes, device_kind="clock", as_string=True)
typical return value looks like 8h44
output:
3h33
